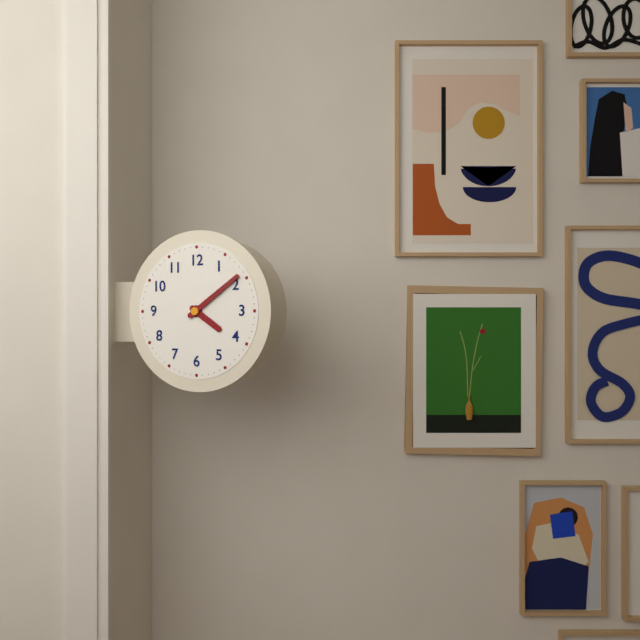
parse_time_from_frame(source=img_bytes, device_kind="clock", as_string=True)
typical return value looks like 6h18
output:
4h09
